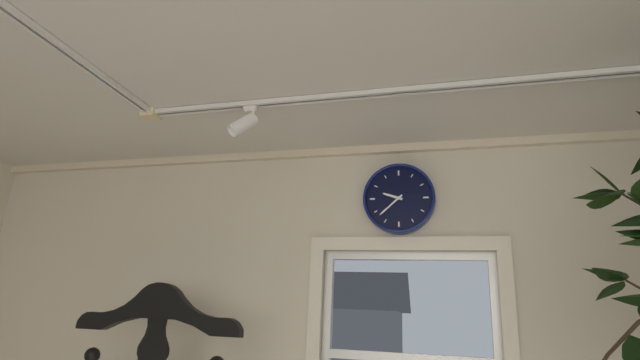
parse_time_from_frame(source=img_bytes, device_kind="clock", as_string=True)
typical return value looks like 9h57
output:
9h38
